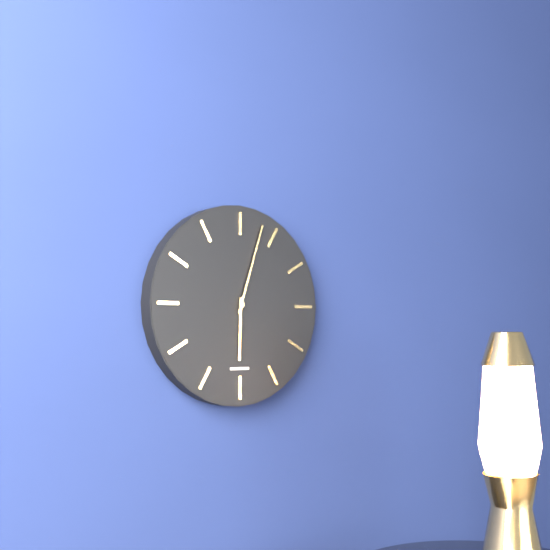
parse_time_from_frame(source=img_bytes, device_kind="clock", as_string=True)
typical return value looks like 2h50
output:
6h03
